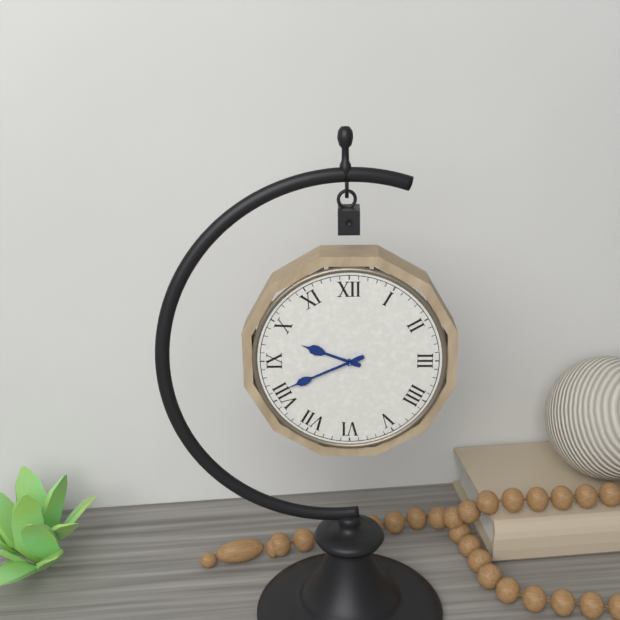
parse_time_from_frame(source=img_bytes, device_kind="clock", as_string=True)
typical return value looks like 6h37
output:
9h41
